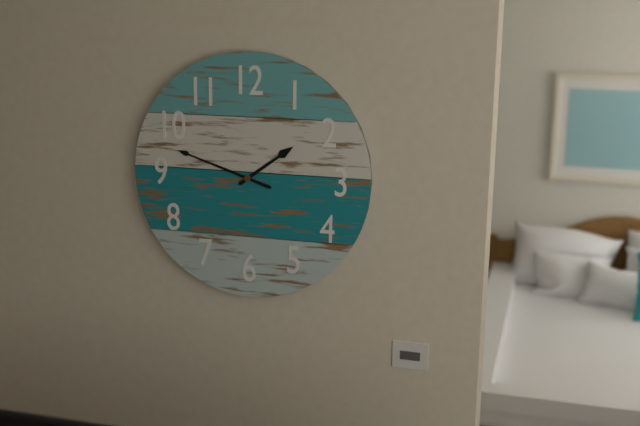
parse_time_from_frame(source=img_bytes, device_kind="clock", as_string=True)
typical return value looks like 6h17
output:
1h48
